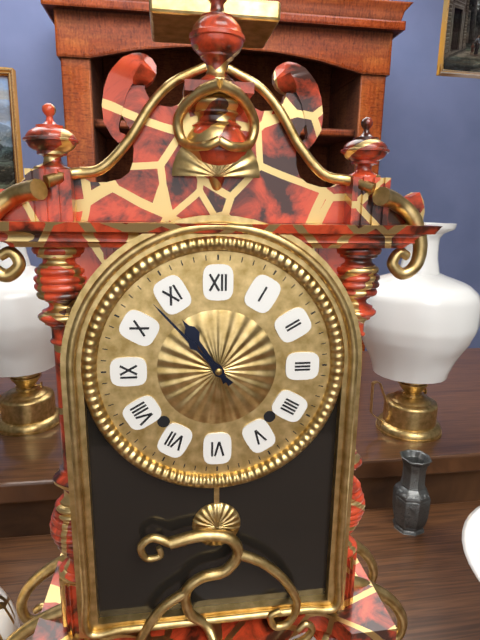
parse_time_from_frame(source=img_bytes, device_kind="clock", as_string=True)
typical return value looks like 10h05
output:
10h53
